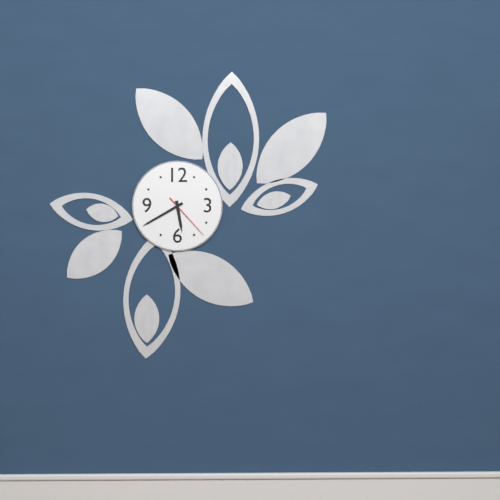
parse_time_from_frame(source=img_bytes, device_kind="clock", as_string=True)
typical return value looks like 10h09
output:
5h40
